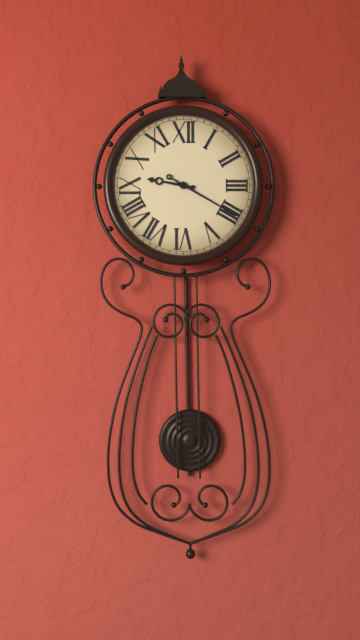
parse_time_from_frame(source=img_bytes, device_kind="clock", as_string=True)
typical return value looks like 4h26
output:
9h20
